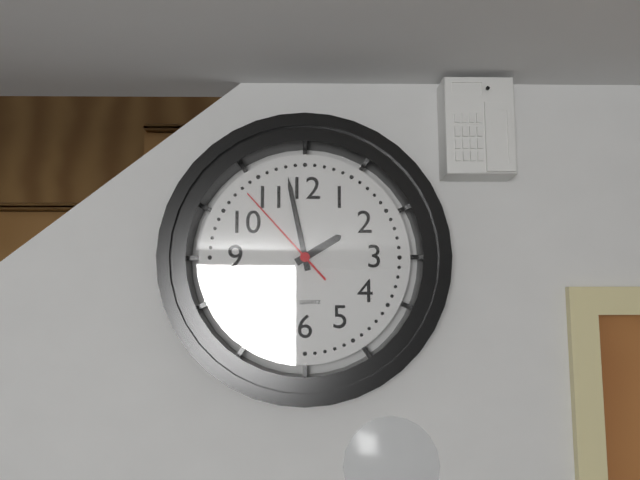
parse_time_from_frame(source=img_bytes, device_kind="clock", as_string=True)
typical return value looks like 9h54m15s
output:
1h58m53s
